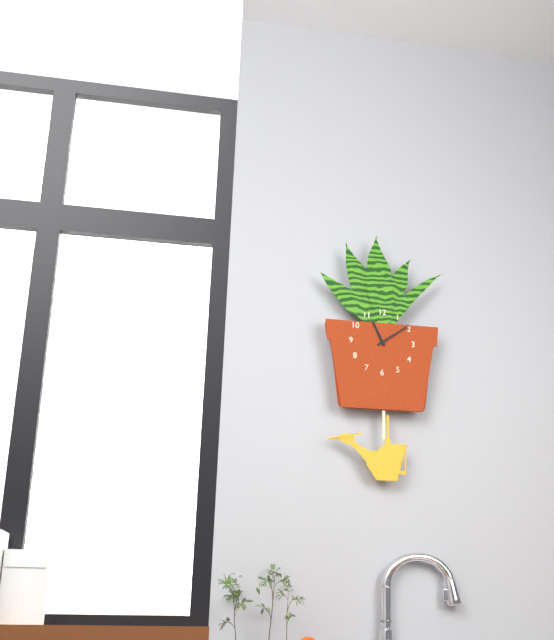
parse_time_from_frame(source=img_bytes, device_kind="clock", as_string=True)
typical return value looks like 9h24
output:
11h09
